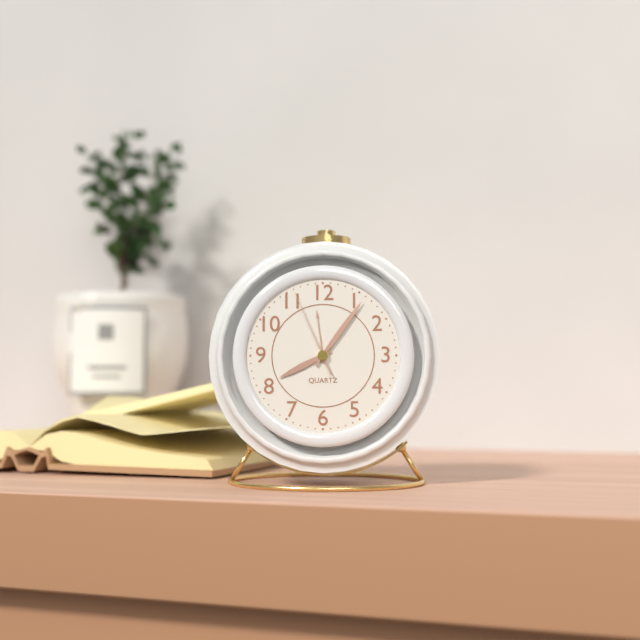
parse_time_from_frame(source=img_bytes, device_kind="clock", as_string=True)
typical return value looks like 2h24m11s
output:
8h06m56s
